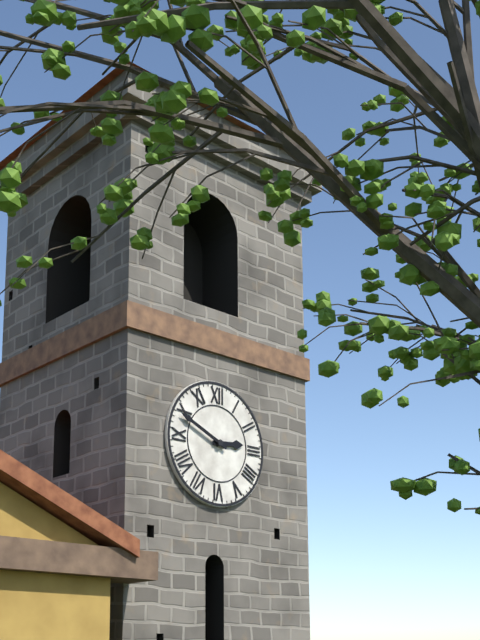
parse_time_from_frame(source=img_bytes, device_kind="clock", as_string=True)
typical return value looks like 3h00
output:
2h49
